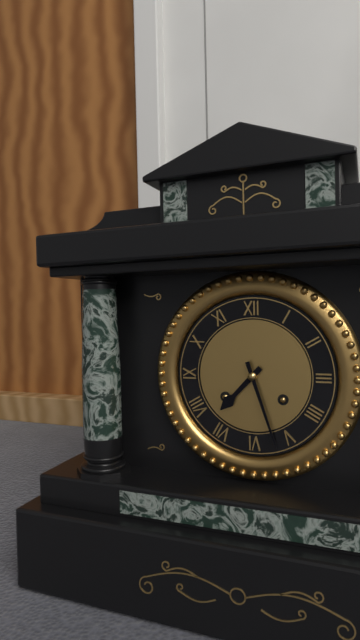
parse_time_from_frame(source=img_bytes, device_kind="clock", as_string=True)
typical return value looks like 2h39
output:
7h27
